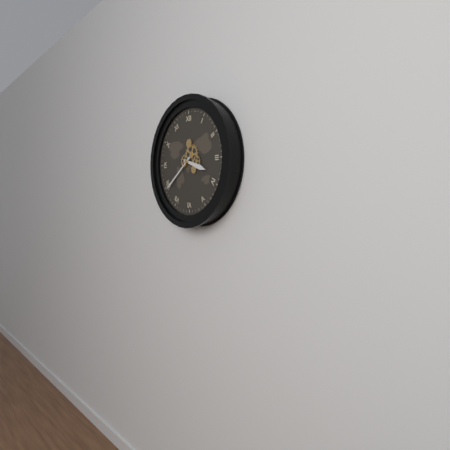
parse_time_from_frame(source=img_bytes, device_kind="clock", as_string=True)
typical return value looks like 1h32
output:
3h39
